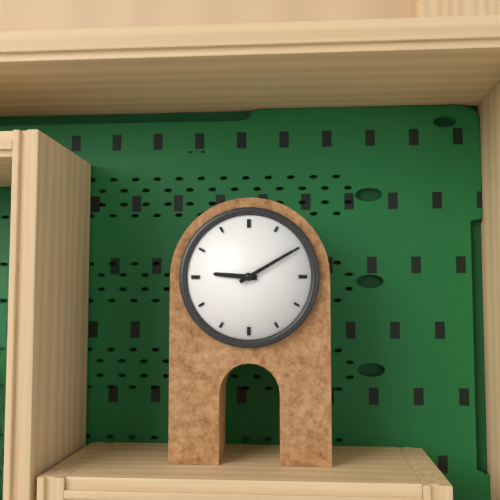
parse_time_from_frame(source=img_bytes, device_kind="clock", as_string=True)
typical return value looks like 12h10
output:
9h10
